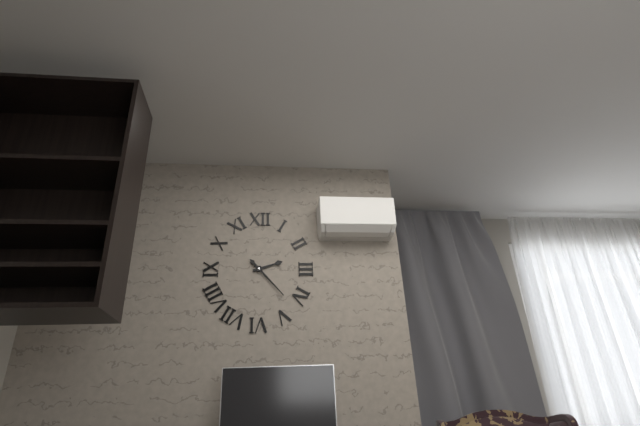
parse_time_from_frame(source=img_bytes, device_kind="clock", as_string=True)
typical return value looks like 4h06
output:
2h23
